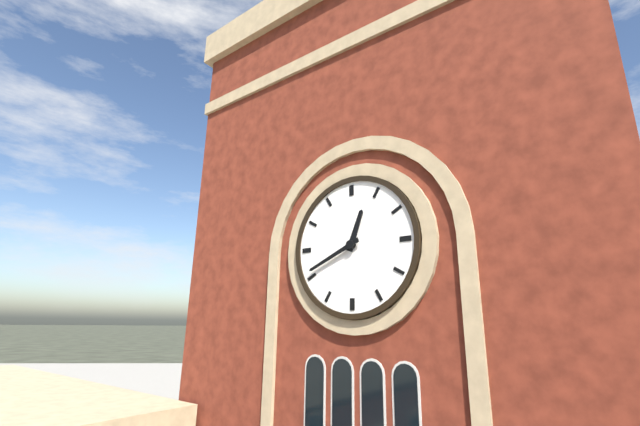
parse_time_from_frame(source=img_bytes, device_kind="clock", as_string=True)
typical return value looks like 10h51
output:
12h41
